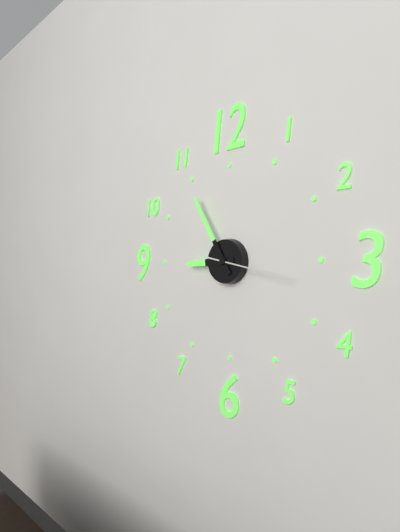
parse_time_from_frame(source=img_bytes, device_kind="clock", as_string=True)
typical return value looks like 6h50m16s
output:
8h55m17s
